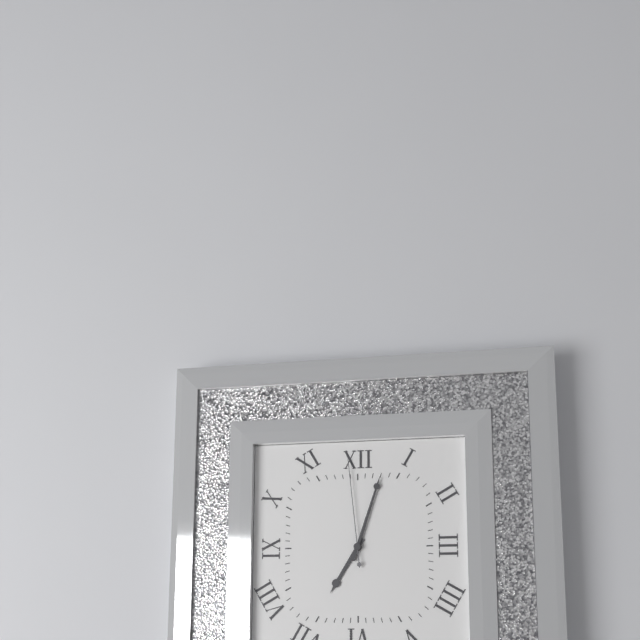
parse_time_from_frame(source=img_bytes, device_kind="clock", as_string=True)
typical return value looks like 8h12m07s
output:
7h03m59s
